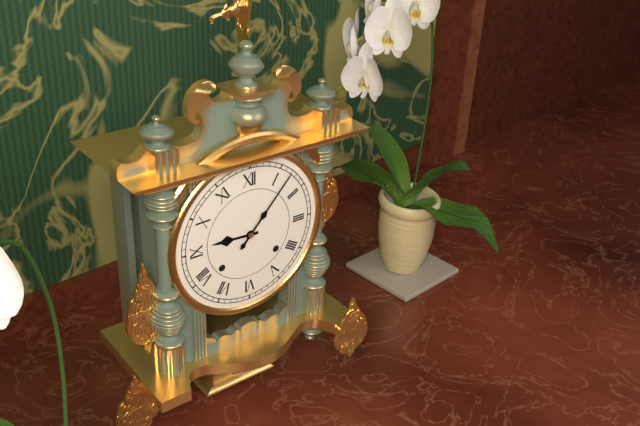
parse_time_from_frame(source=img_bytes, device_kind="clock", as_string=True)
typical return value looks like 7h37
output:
9h07
